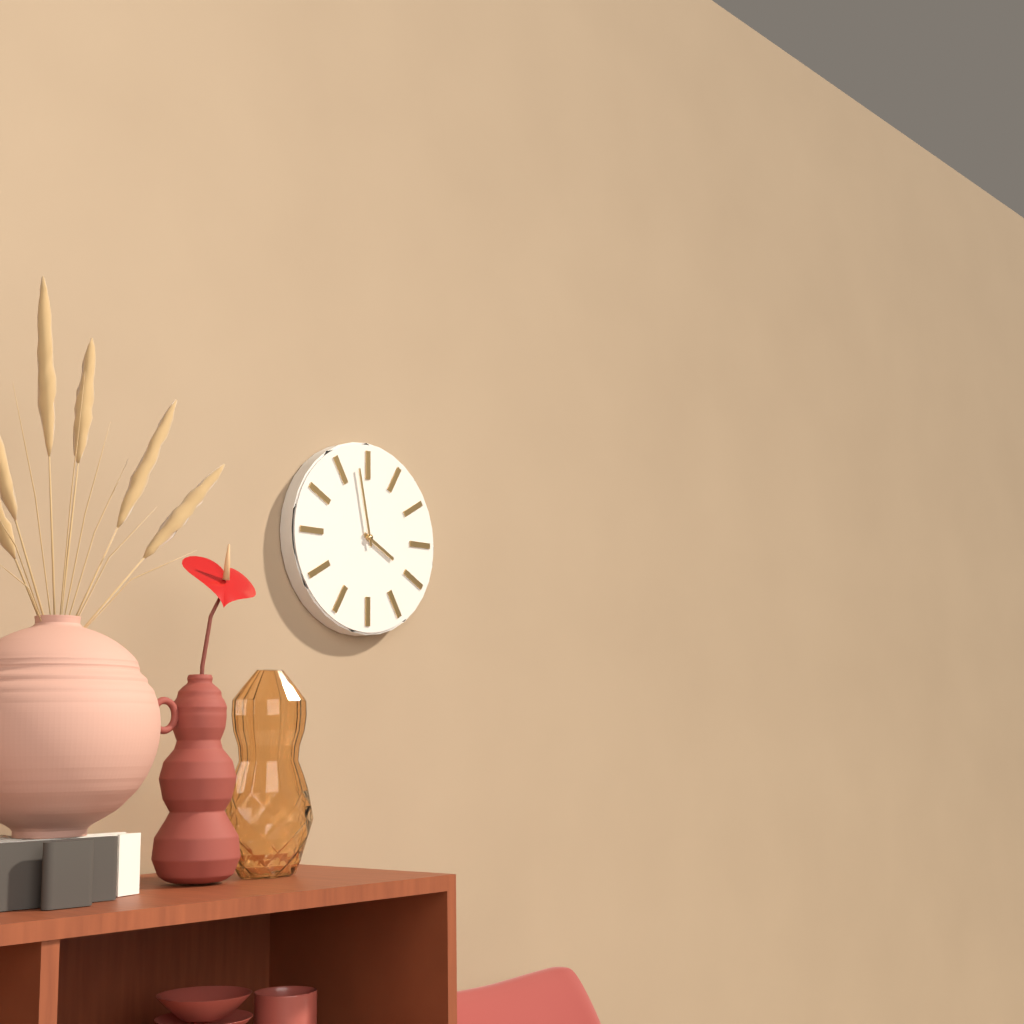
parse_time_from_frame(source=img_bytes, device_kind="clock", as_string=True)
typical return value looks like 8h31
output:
3h58
